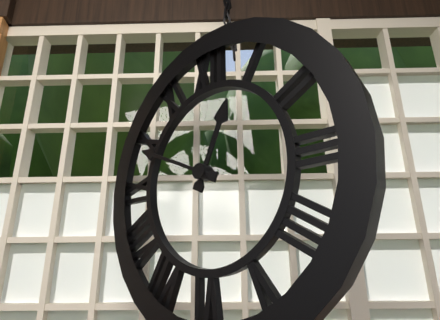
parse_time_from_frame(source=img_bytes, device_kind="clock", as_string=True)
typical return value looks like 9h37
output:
12h49
